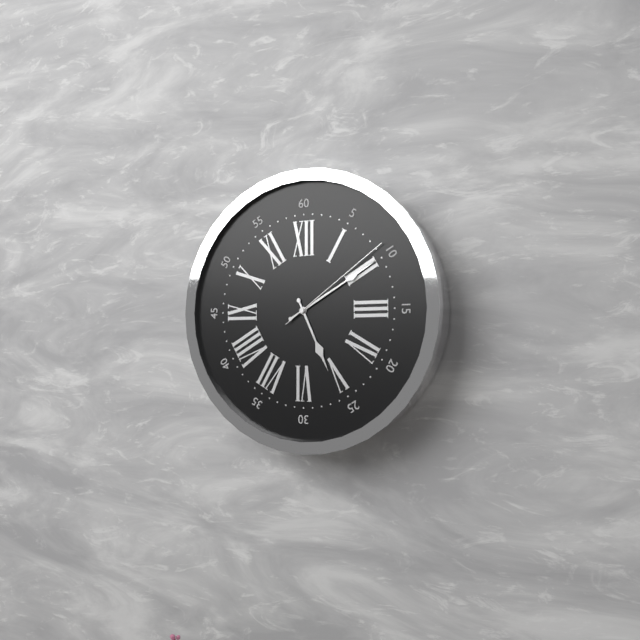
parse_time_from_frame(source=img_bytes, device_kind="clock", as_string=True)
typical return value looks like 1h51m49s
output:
5h10m09s
